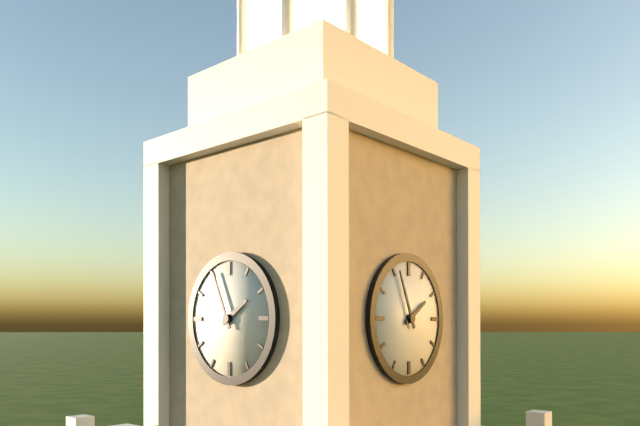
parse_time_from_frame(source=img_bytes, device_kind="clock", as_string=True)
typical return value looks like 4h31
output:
1h56
